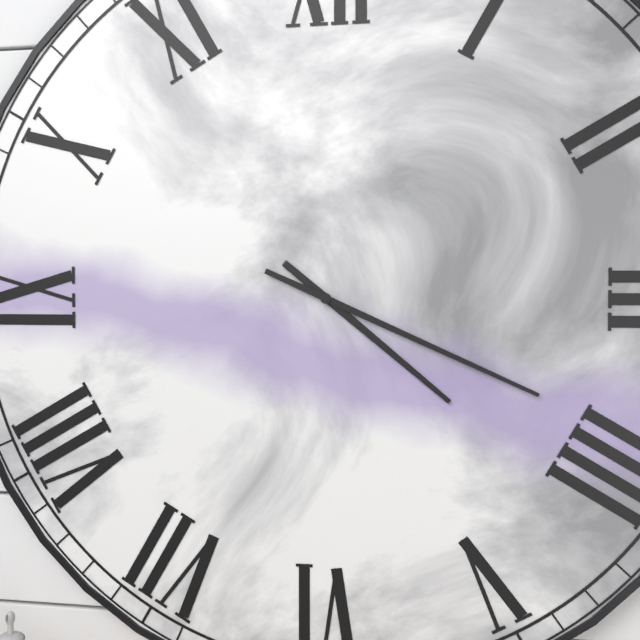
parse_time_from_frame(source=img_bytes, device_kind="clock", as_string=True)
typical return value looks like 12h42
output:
4h19
